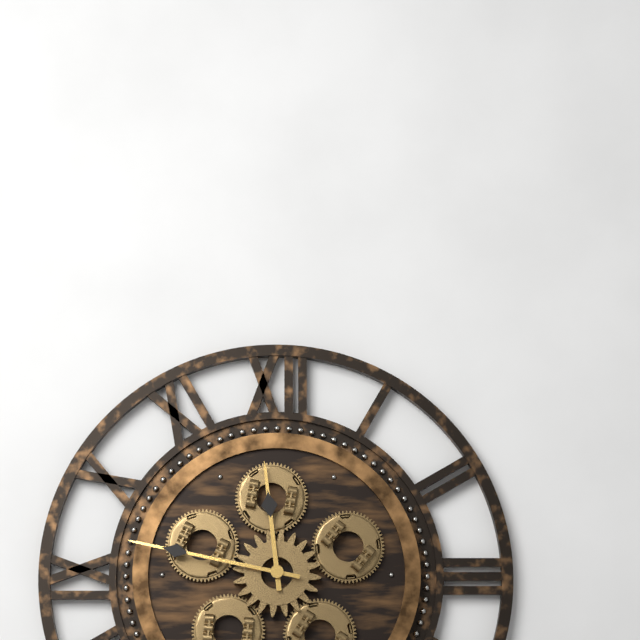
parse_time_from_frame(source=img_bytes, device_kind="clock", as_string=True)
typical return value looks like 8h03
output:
11h47
